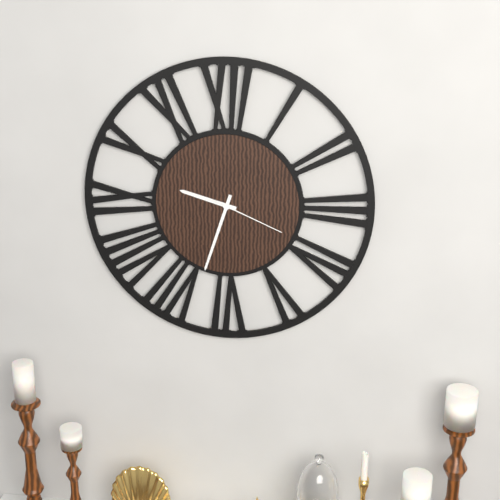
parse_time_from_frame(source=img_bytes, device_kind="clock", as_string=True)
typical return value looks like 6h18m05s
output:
9h33m19s
